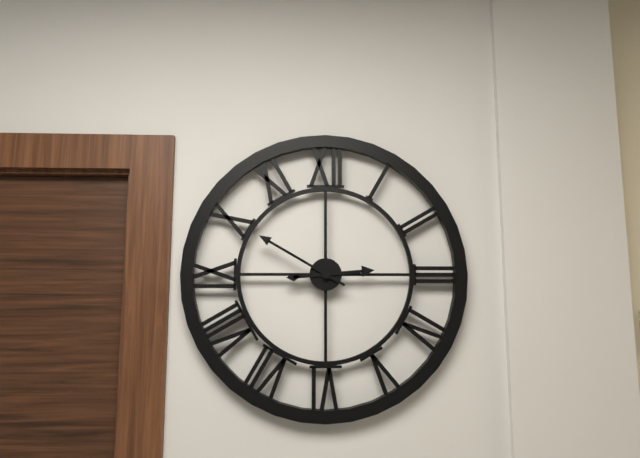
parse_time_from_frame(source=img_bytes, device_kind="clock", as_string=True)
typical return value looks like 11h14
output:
2h50
